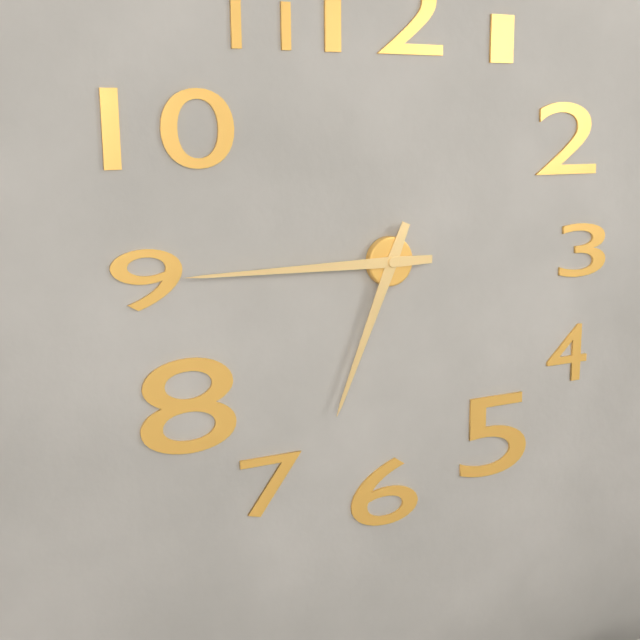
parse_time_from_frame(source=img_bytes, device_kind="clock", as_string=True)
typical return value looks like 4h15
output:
6h45
